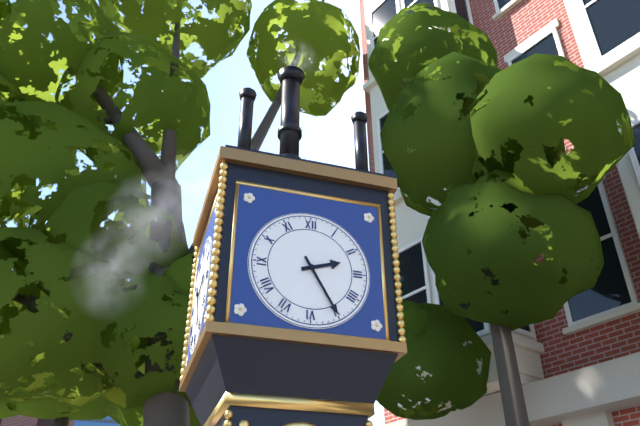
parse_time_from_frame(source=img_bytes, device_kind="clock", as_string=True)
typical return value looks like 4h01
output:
2h25
